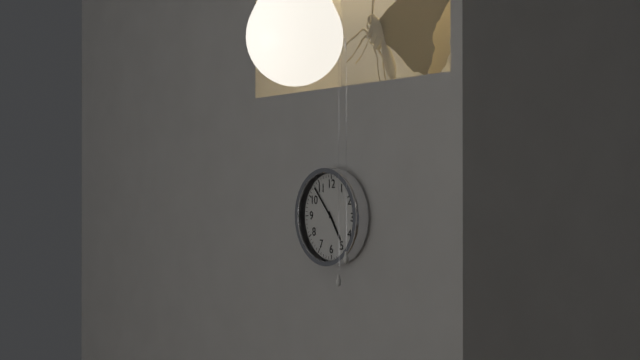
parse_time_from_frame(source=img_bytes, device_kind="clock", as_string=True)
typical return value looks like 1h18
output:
4h53
